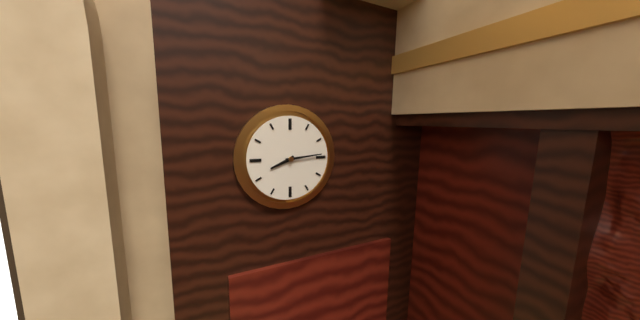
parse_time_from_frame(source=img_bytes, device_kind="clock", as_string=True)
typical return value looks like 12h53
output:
8h14
